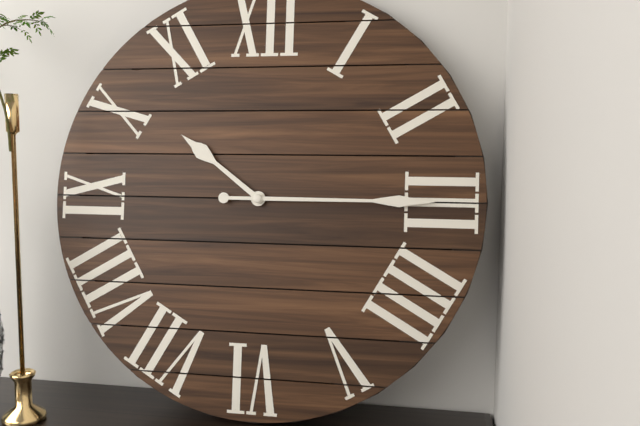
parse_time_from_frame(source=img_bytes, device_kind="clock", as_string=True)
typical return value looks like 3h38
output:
10h15
